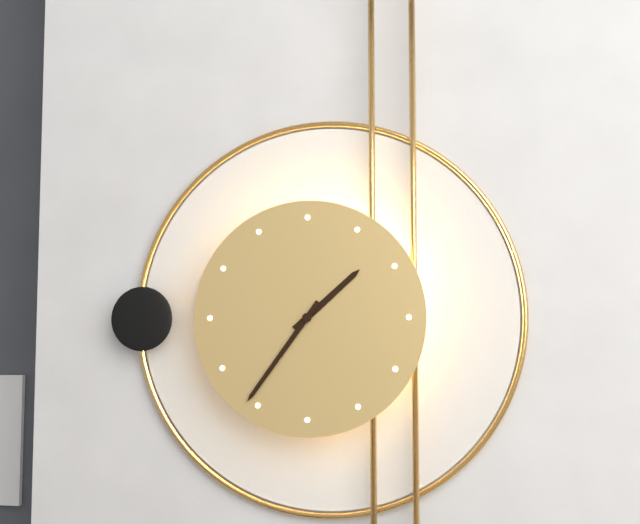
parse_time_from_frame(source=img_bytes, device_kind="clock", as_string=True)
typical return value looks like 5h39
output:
1h36
